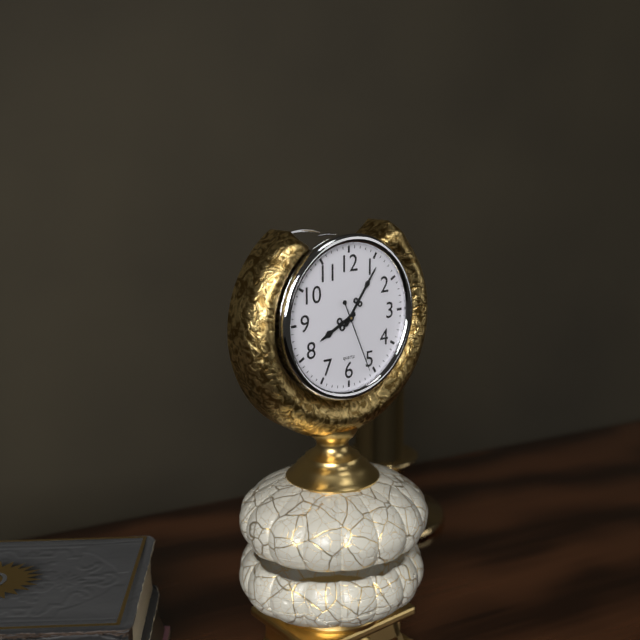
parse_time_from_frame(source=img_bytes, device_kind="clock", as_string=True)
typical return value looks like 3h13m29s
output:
8h06m26s
